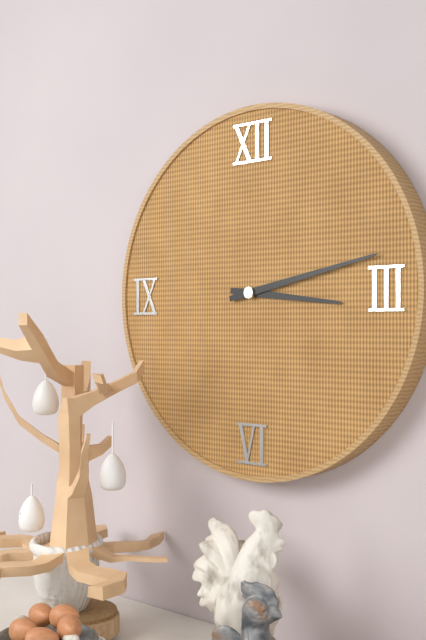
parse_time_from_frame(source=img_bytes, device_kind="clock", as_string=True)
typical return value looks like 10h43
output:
3h13
